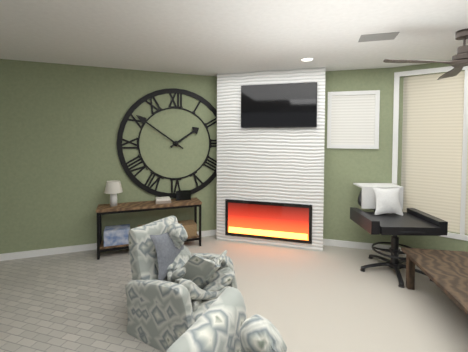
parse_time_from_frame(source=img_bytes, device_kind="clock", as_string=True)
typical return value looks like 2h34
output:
1h51
